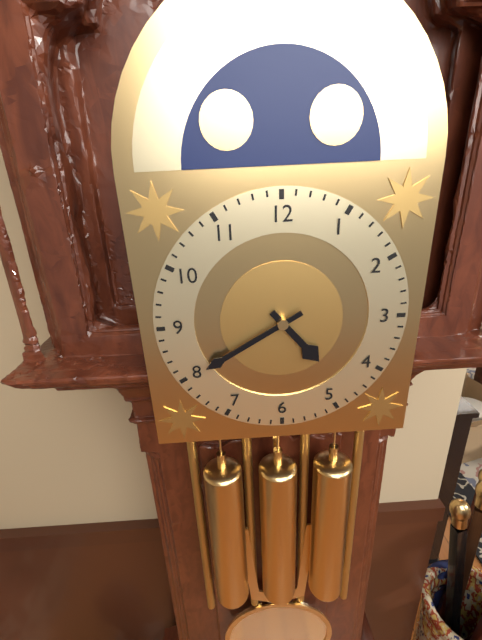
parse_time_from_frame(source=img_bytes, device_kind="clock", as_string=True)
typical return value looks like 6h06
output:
4h40
